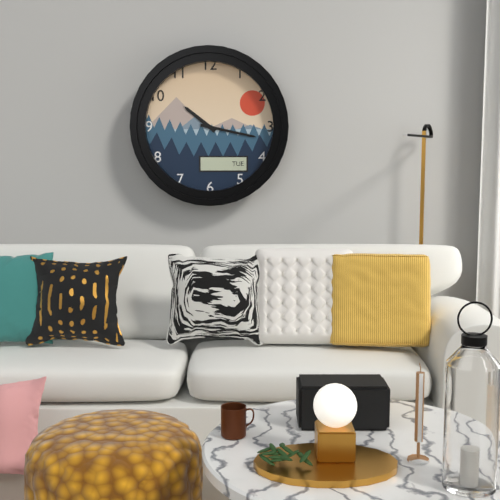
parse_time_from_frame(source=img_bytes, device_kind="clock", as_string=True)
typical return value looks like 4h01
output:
10h17
